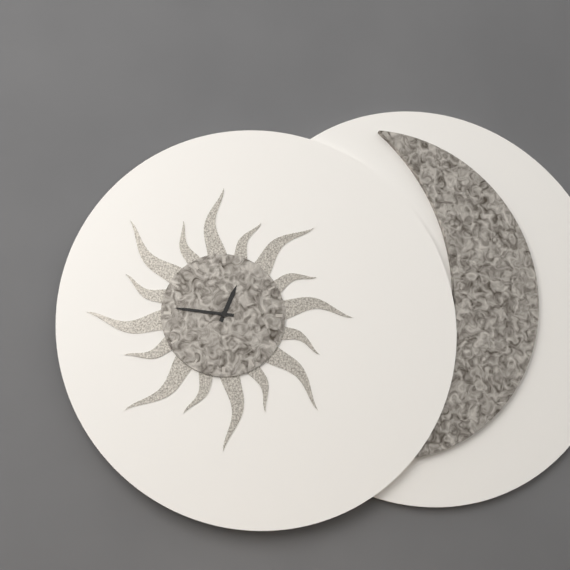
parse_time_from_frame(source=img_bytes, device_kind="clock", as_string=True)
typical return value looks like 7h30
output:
12h46
